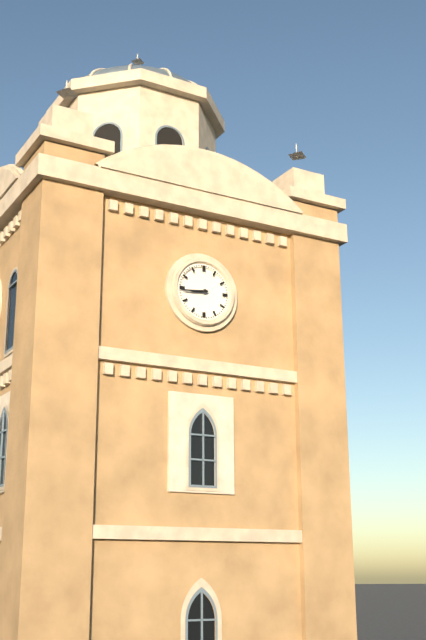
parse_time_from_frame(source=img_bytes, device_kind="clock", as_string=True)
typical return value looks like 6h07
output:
8h44
